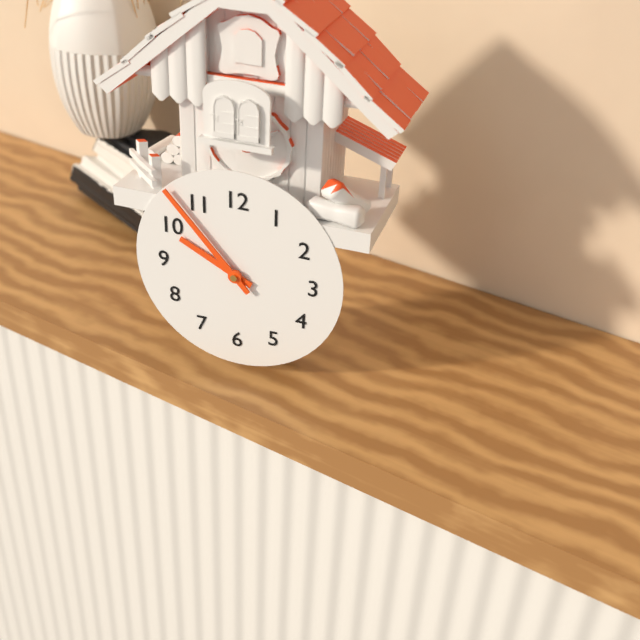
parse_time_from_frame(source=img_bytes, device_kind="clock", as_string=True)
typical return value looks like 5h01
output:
9h53
